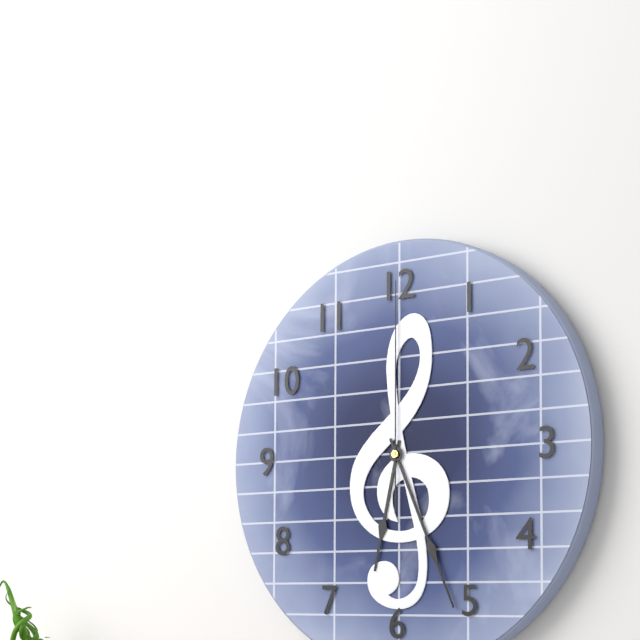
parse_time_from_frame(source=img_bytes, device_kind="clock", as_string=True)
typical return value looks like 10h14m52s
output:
6h26m00s
